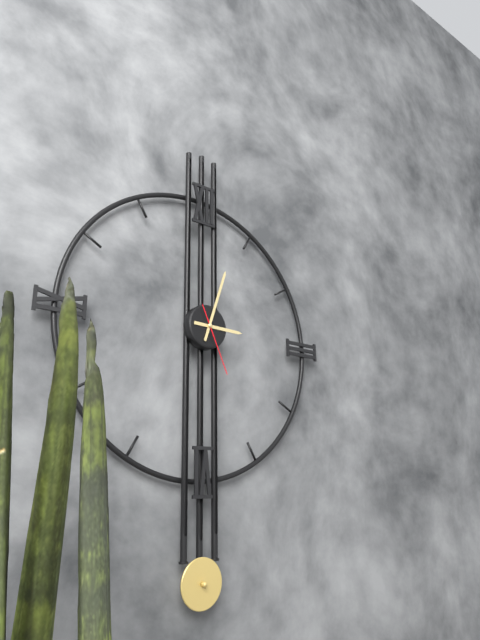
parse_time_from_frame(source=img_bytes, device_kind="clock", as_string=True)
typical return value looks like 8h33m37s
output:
3h03m26s
